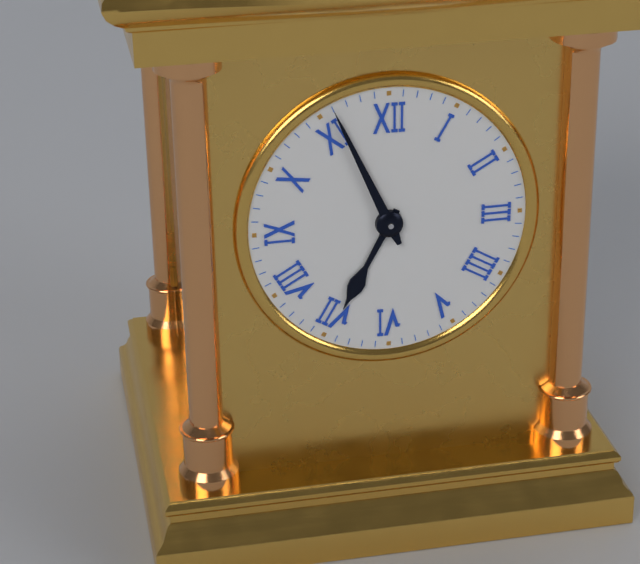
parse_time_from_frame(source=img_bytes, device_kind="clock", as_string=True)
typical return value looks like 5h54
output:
6h56
